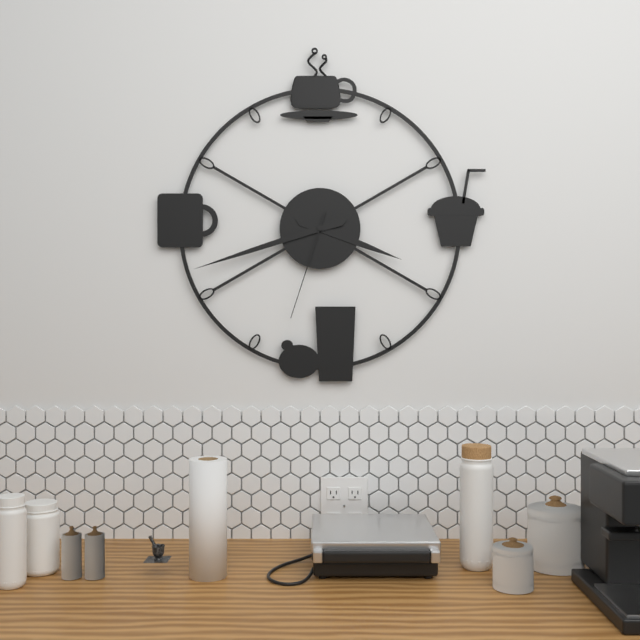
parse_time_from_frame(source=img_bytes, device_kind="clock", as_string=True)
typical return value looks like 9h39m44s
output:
3h42m33s
